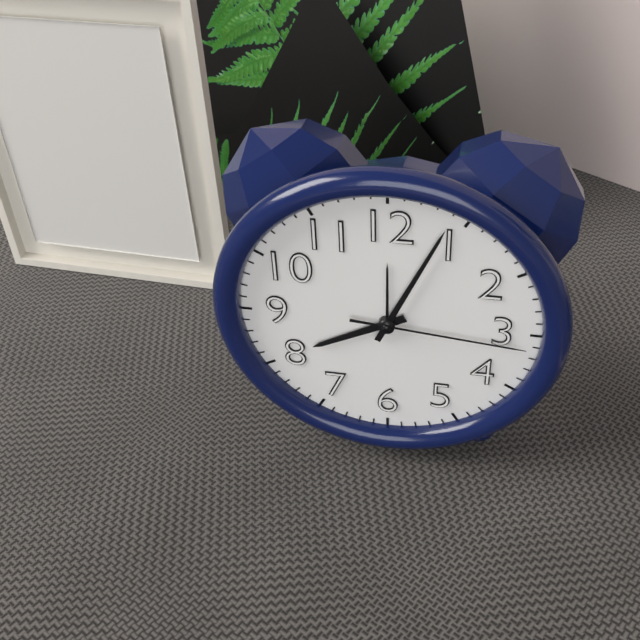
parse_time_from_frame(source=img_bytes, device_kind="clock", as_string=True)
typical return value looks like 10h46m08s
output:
8h04m16s
